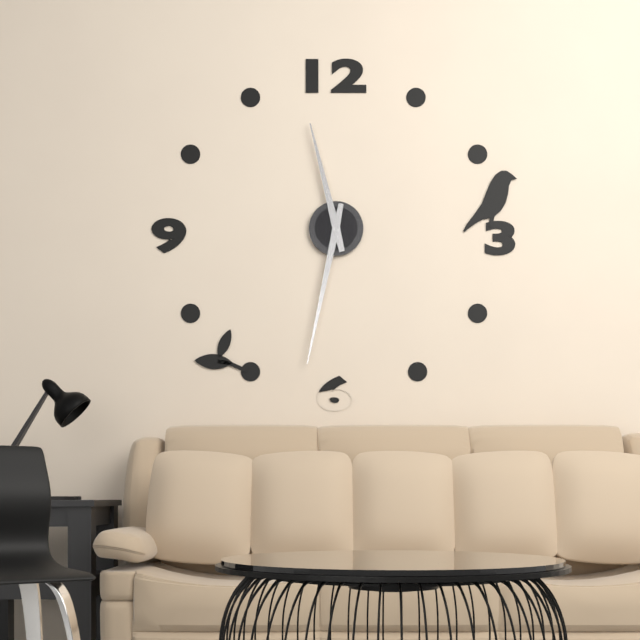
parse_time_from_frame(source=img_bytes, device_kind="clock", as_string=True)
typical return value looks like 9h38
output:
11h32
